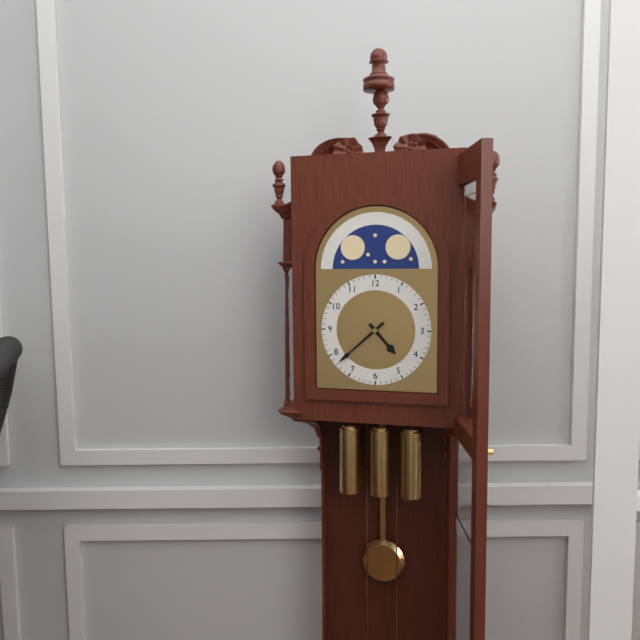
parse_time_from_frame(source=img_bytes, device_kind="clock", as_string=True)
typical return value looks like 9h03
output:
4h38
